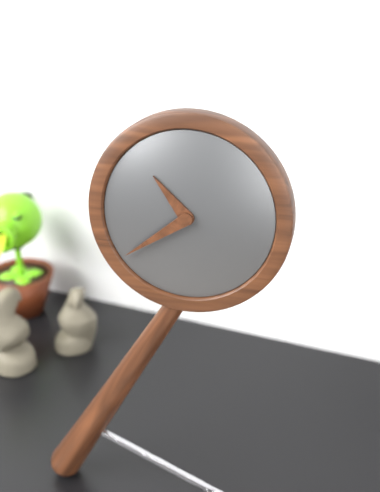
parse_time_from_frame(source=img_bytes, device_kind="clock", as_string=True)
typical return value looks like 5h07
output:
10h39
